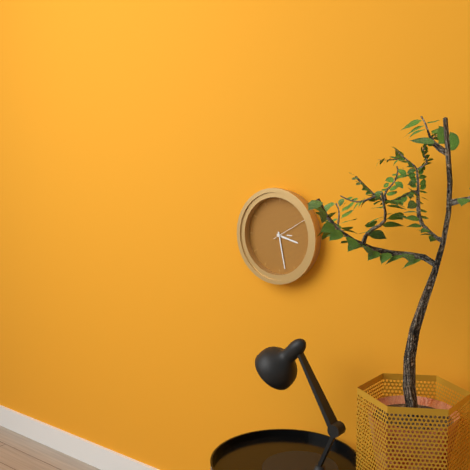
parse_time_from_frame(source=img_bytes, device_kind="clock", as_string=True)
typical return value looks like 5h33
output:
3h28
